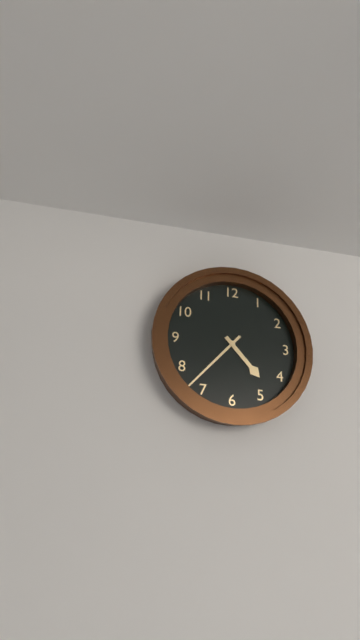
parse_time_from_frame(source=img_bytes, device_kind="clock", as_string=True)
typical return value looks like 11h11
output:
4h37
